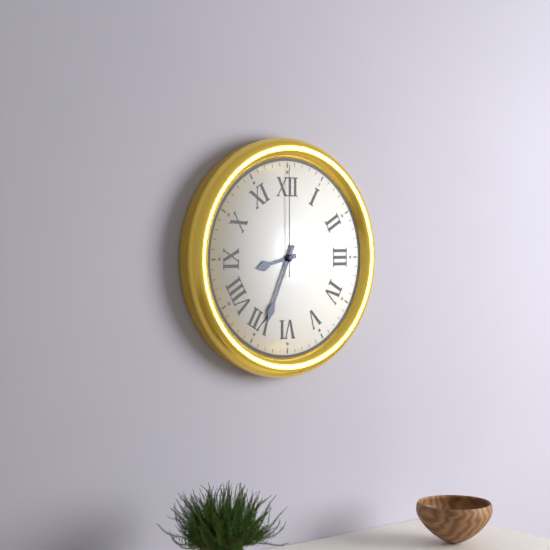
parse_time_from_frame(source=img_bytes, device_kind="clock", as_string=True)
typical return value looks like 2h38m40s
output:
8h34m00s
